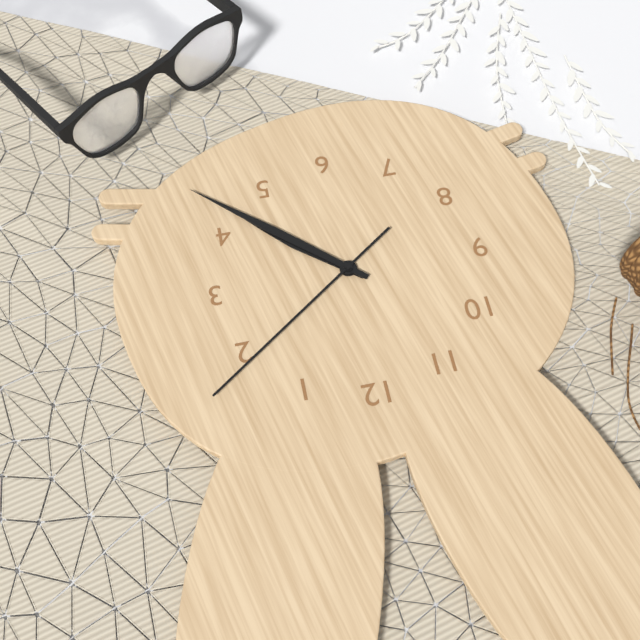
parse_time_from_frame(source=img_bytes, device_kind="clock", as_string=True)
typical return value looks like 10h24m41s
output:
4h22m09s
